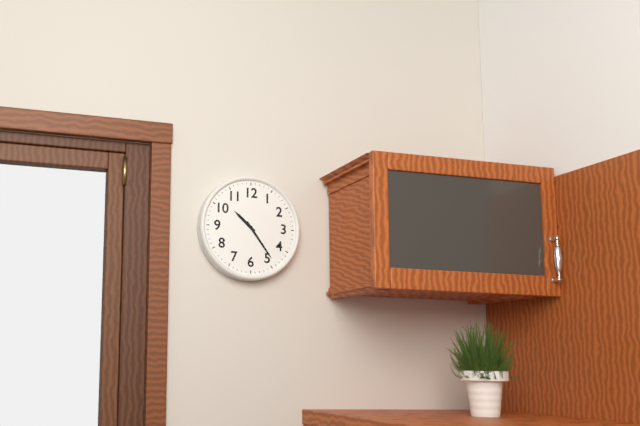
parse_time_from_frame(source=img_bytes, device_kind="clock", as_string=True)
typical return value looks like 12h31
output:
10h24
